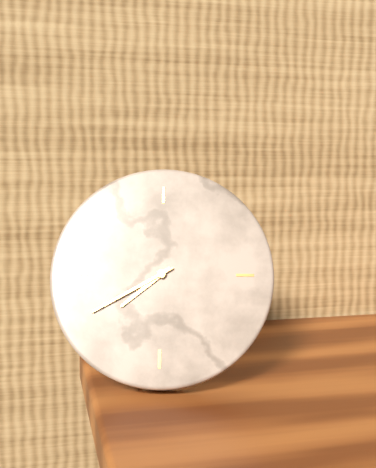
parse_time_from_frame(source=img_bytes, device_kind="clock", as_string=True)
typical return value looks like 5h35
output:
7h40
